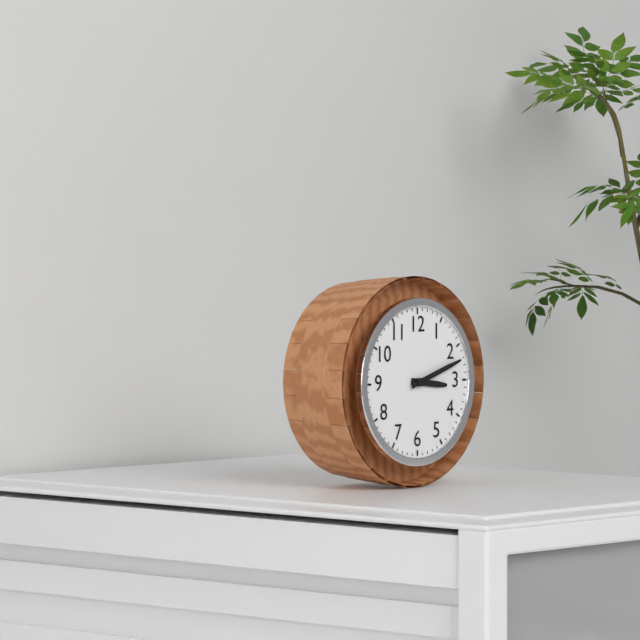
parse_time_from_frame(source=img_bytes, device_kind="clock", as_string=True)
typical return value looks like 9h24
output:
3h12
